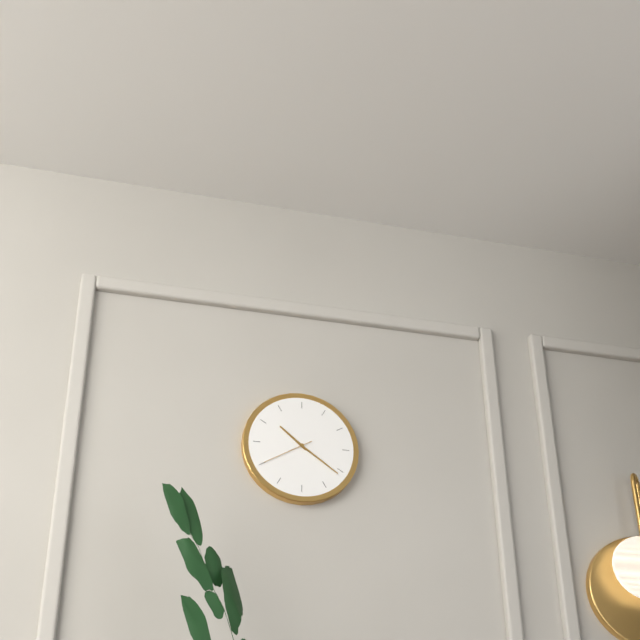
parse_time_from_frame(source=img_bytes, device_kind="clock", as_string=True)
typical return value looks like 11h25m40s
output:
10h21m40s
